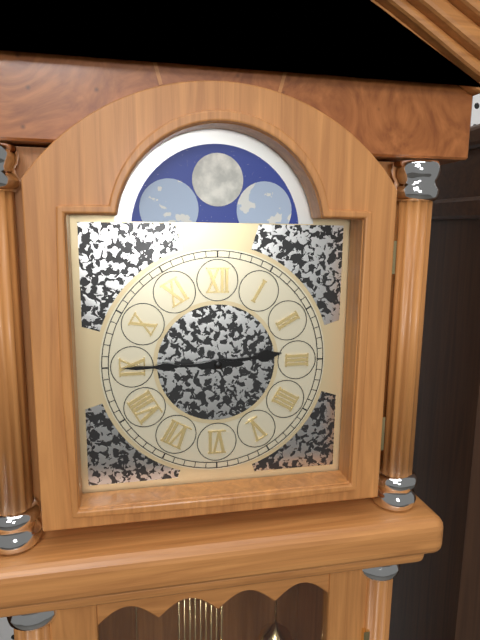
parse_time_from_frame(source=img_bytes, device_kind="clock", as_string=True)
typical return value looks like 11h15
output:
2h45
